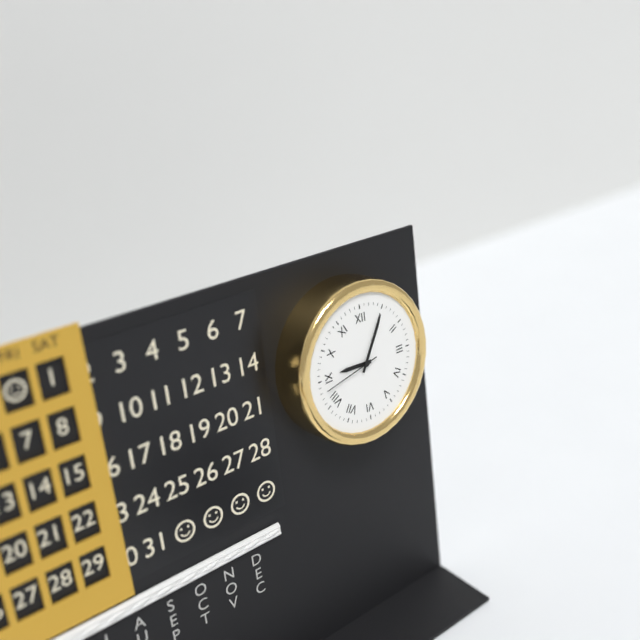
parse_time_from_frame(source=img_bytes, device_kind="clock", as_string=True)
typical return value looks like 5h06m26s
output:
9h05m43s
